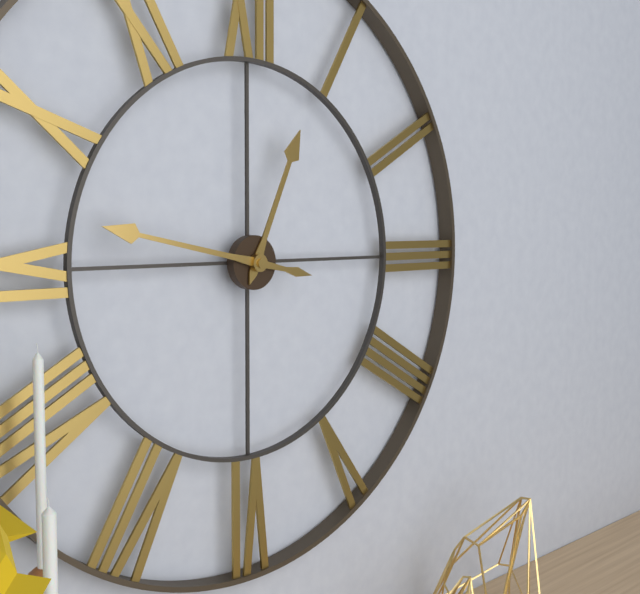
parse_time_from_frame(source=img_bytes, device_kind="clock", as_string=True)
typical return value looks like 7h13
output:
12h47
